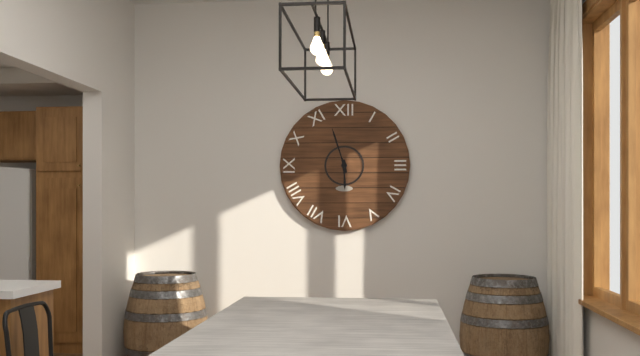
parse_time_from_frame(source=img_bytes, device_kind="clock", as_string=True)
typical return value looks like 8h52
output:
5h57
